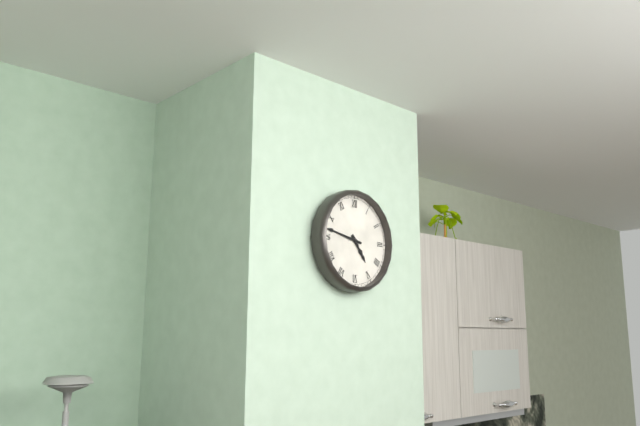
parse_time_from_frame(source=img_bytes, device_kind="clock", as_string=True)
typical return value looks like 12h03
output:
4h47
